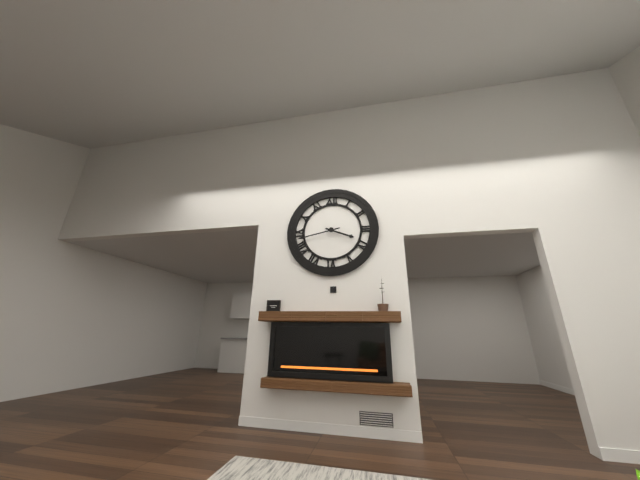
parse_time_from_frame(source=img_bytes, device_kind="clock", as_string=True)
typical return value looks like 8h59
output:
3h43
